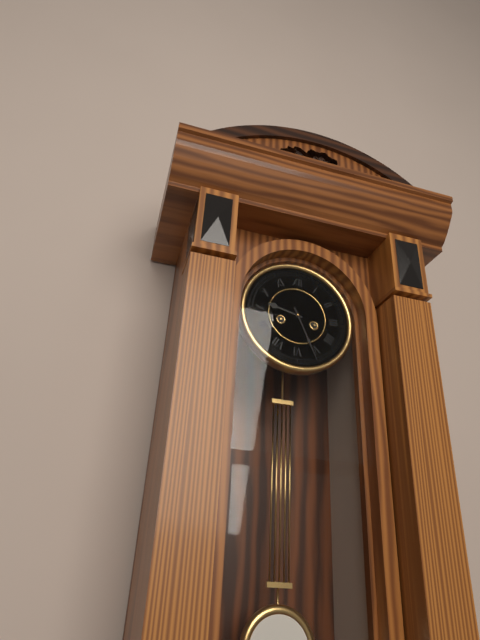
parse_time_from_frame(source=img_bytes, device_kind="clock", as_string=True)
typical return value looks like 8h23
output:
9h26
